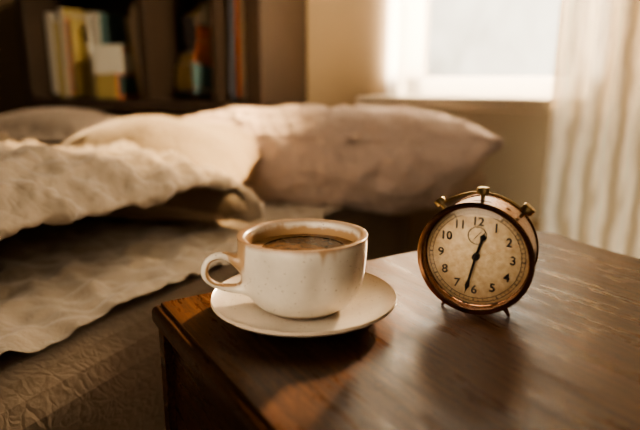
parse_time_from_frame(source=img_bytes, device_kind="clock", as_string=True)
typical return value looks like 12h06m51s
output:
12h32m11s
